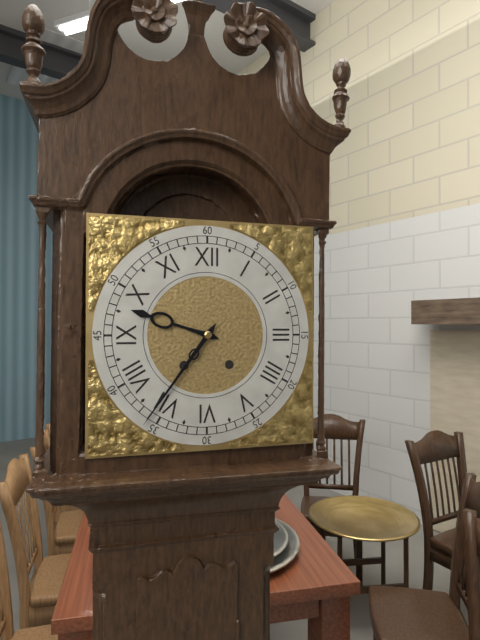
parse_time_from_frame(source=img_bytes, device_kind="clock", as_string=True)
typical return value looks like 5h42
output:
9h36
